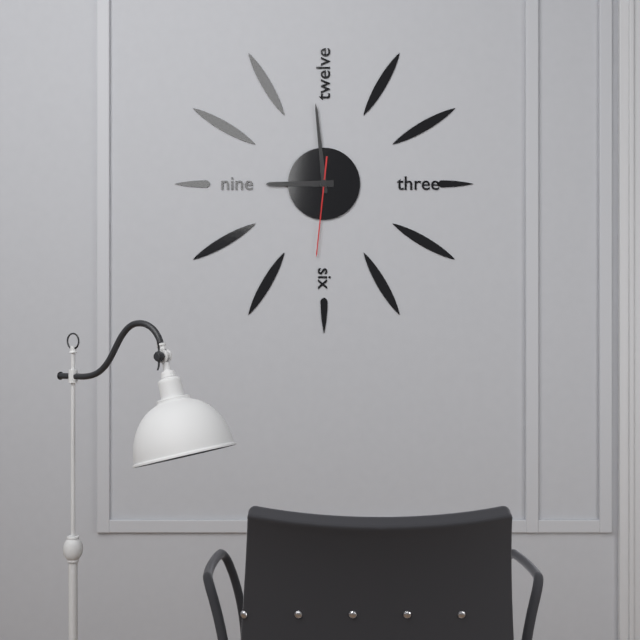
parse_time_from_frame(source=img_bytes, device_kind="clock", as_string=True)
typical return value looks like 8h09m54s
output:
8h59m31s
